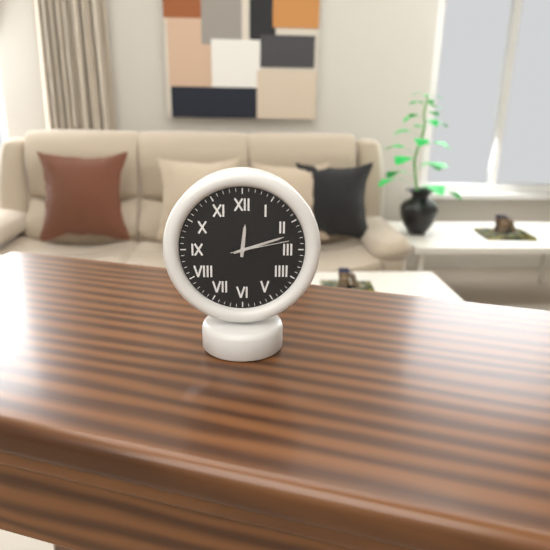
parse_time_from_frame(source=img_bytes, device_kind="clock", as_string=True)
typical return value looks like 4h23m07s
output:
12h12m13s
